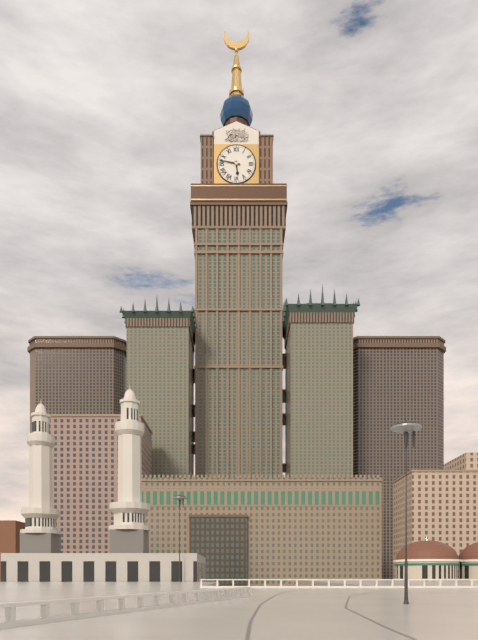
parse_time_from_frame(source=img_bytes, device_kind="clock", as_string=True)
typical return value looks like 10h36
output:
5h47
